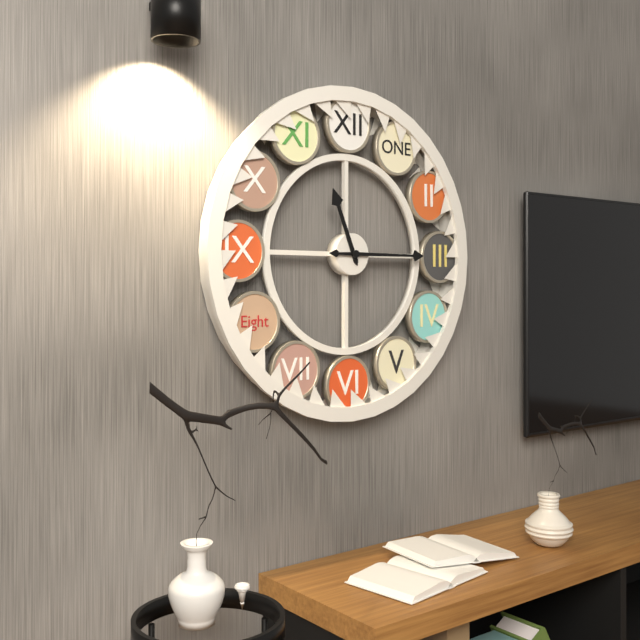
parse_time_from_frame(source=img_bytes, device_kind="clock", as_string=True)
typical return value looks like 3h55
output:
11h15
